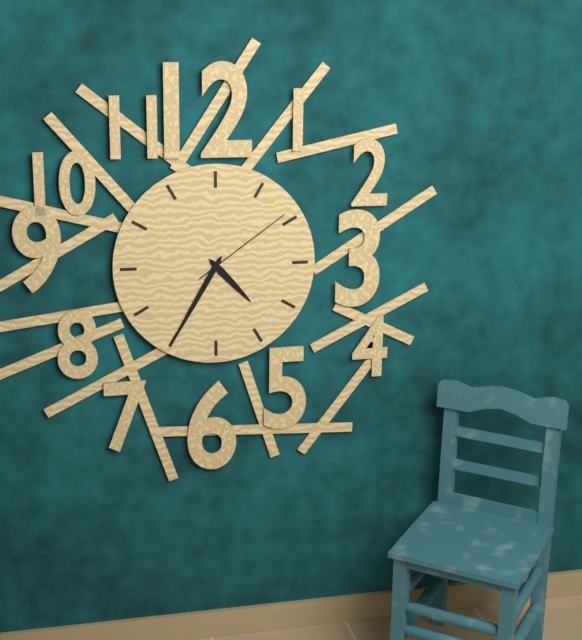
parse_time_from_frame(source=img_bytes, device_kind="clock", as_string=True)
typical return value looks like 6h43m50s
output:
4h35m09s
